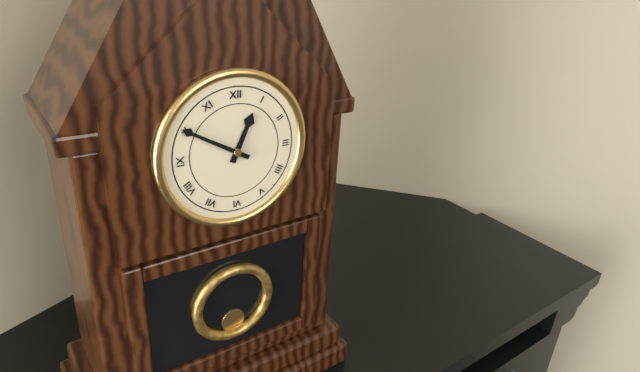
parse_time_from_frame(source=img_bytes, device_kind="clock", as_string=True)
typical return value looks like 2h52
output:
12h50
